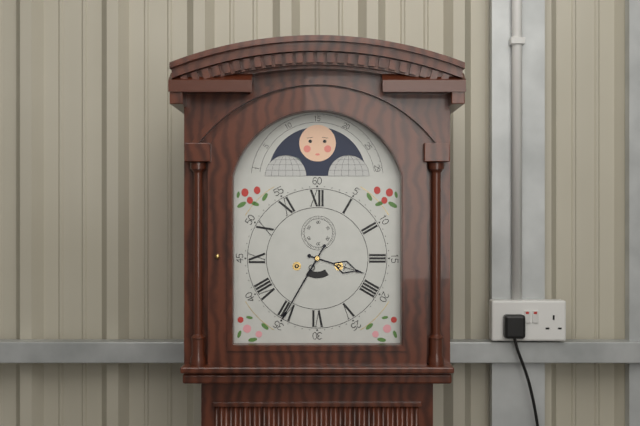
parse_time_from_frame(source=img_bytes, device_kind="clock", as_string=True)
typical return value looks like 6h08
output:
3h35
